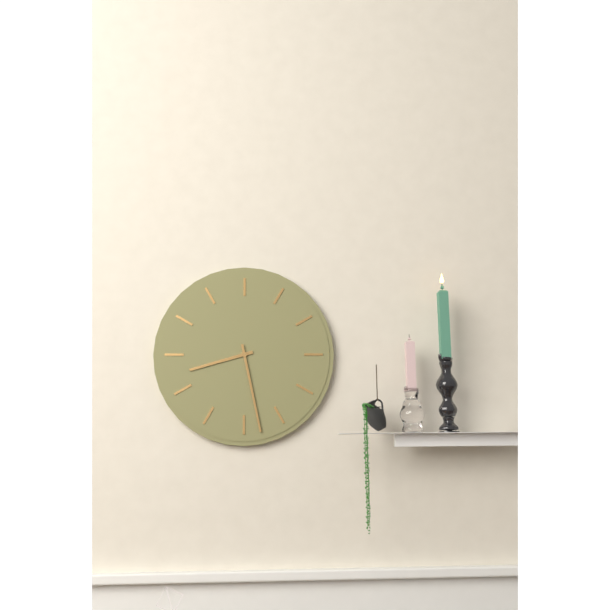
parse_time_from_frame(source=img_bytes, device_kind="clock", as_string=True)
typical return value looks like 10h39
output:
8h28
